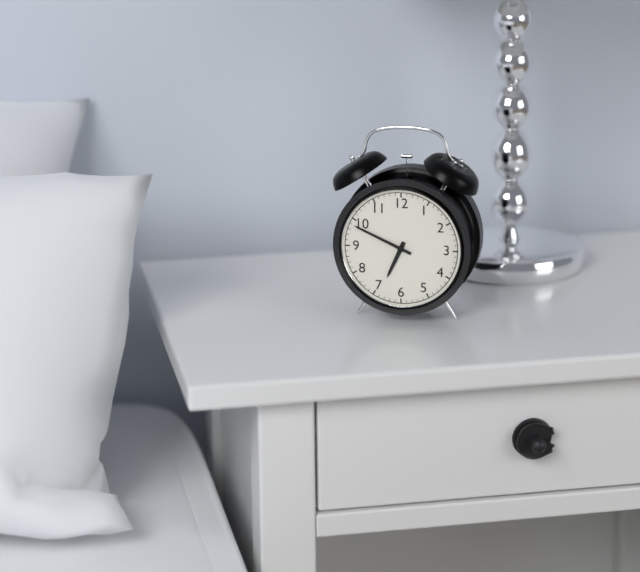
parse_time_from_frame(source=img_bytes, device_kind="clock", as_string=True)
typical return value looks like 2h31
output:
6h49
